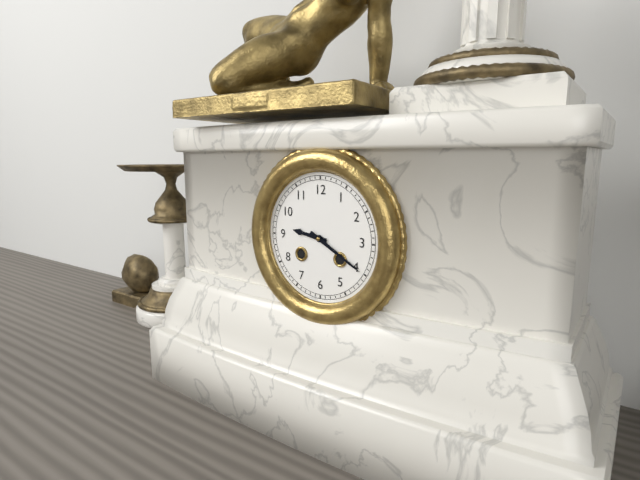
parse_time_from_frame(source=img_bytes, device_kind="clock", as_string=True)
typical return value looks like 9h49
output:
9h20
